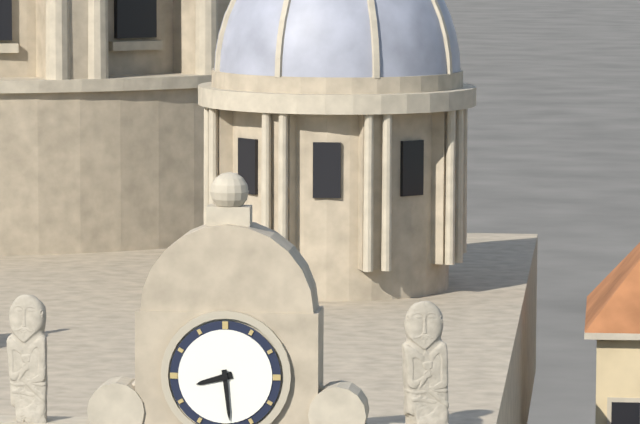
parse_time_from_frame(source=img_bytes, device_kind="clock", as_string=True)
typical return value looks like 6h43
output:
8h29
